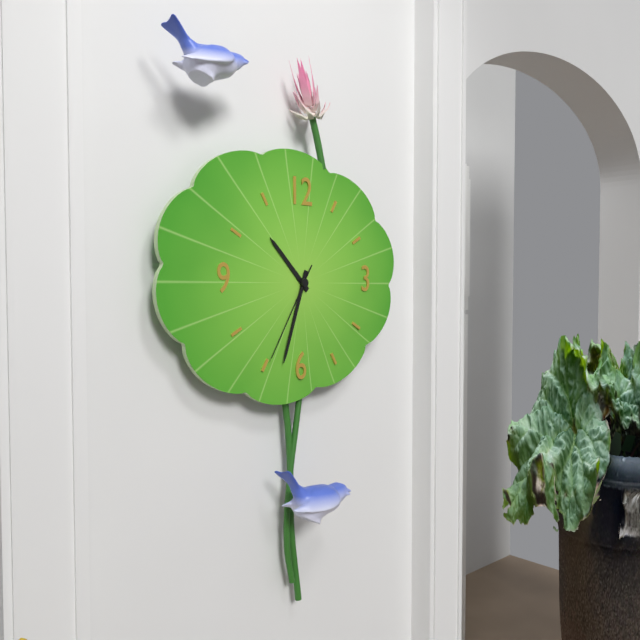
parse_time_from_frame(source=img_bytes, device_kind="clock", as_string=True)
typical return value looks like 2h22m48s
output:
10h33m35s
